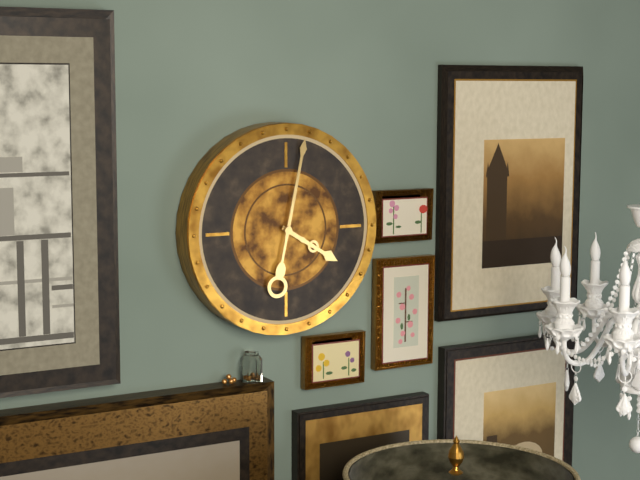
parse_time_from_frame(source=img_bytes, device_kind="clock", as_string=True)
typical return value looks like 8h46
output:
4h02
